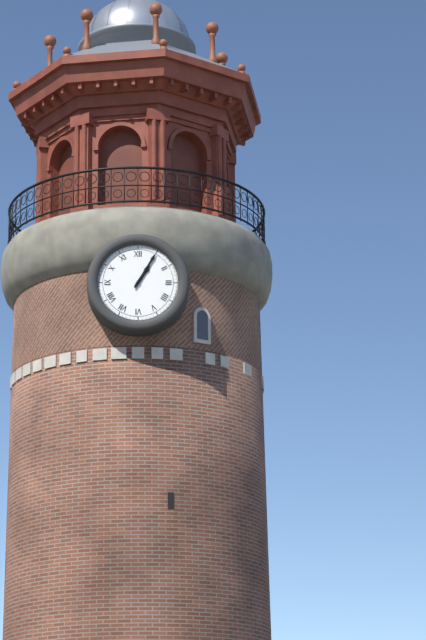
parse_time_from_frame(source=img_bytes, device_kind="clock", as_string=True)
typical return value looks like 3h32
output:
1h05
